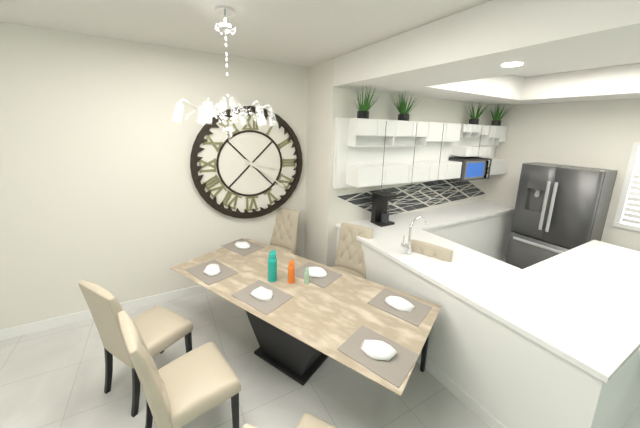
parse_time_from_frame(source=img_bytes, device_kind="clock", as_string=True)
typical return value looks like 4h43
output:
3h21
